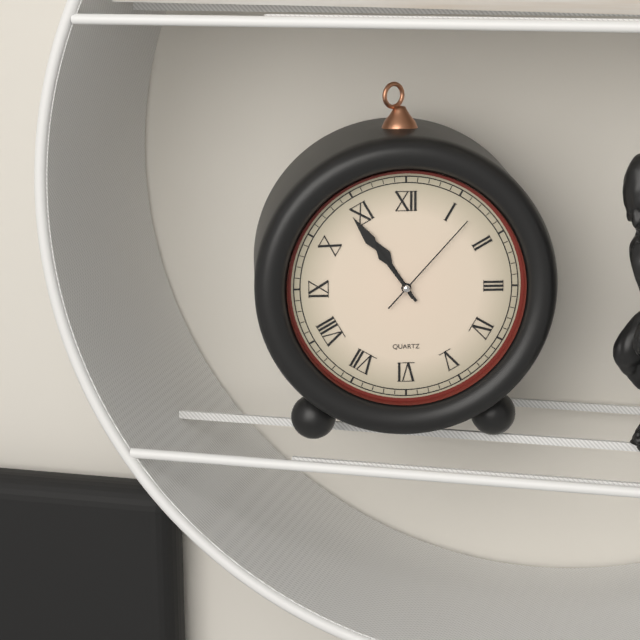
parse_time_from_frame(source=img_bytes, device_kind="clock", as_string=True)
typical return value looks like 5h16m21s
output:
10h54m07s
